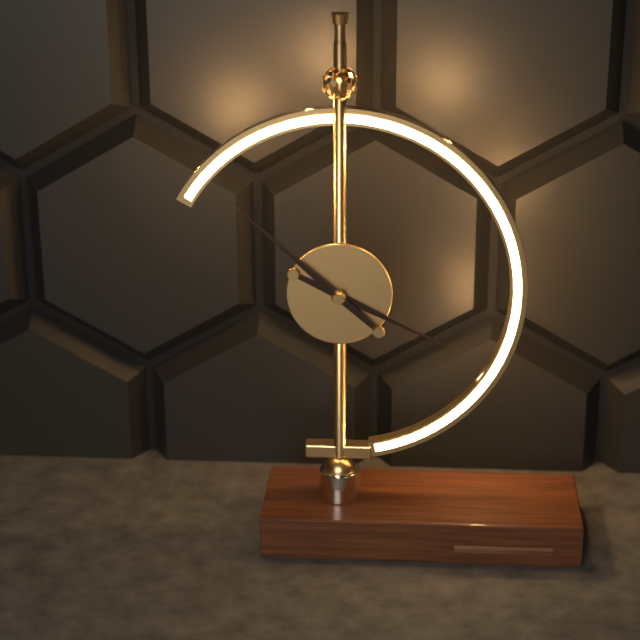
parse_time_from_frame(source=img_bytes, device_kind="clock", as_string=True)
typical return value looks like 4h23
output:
3h52
